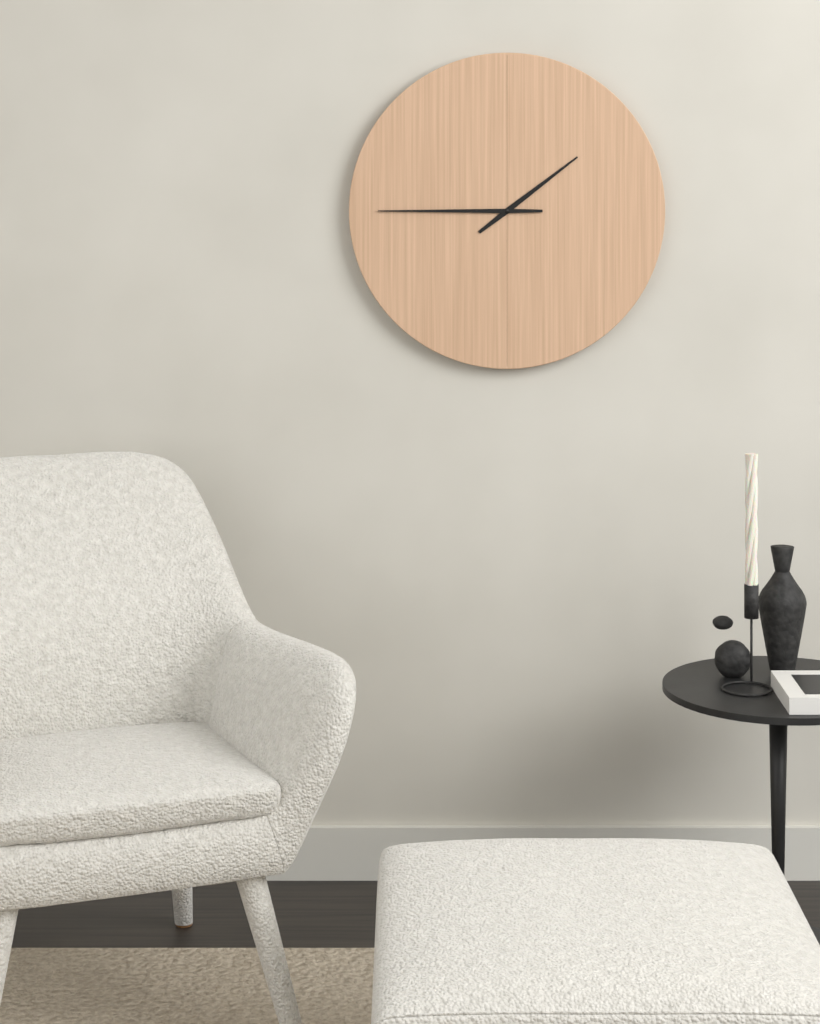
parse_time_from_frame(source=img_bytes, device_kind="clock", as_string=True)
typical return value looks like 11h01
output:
1h45
